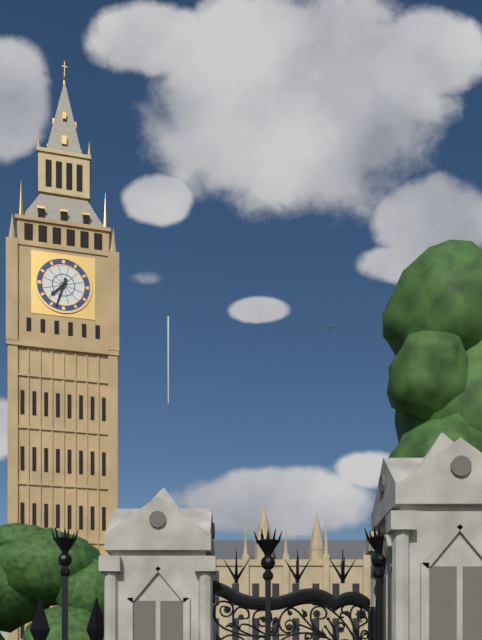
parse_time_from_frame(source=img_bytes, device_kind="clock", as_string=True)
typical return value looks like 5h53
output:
7h33
